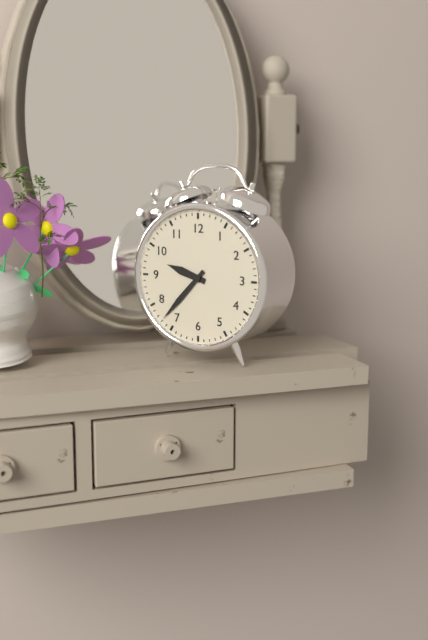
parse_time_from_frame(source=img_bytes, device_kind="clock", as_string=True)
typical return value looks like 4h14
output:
9h37
